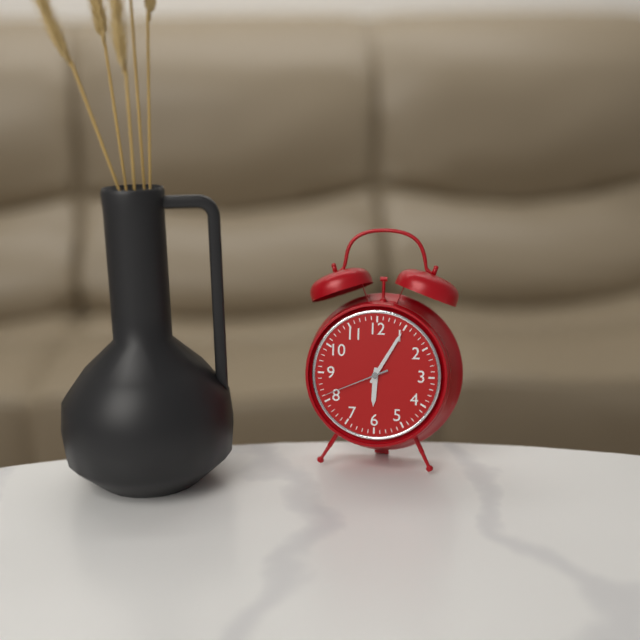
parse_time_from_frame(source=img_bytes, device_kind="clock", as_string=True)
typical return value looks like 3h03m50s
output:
6h05m41s
